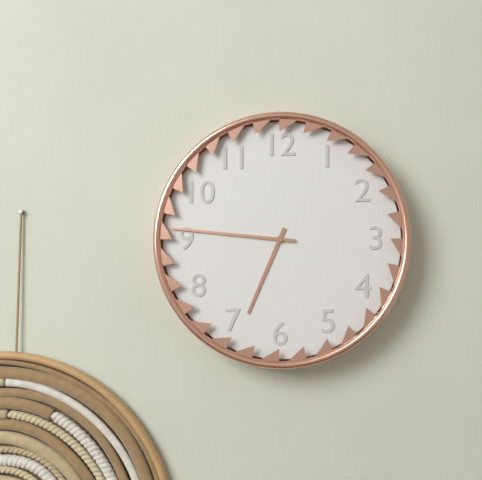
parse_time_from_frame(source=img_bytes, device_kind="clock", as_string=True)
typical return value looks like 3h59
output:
6h46
